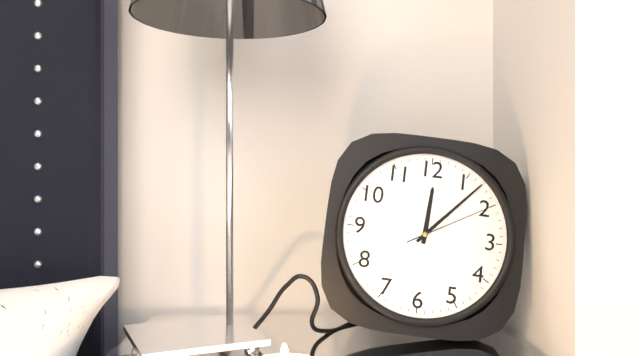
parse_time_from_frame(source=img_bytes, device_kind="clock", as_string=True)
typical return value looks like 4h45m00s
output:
12h07m10s
